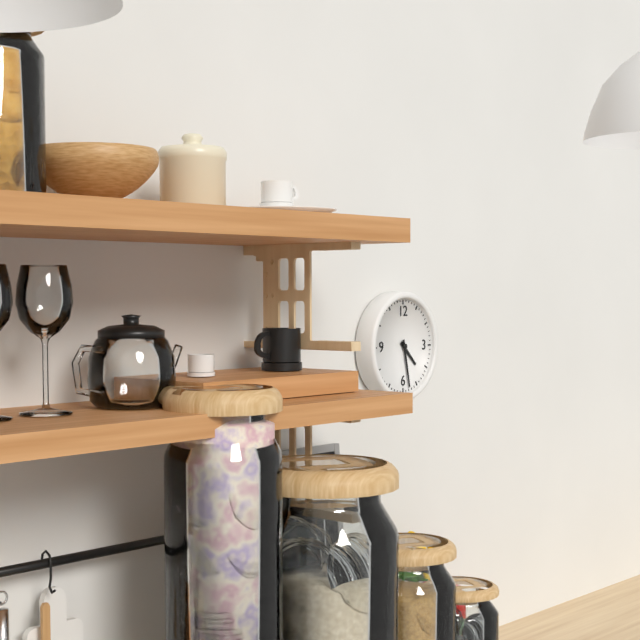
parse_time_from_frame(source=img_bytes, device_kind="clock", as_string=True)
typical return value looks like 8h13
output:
4h28
